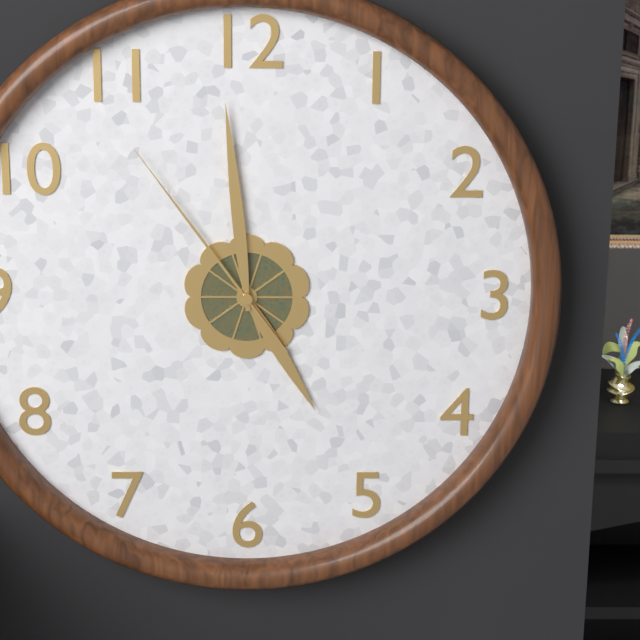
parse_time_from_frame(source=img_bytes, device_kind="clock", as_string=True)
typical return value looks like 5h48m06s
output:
4h59m54s
